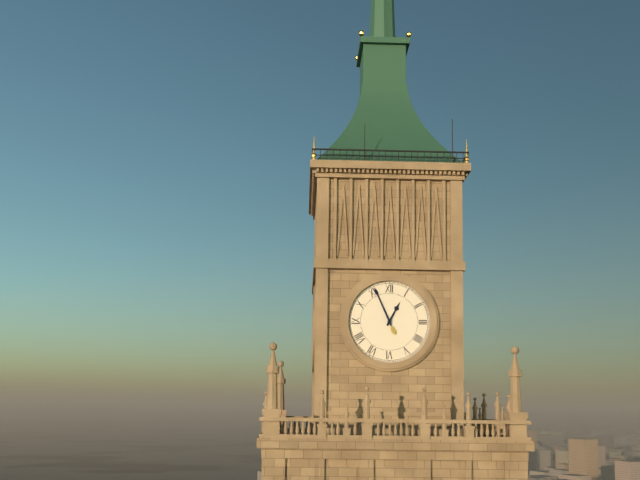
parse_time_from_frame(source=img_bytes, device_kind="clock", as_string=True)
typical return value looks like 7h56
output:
12h56
